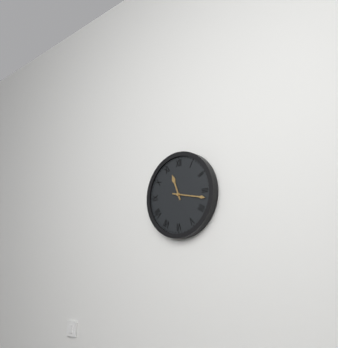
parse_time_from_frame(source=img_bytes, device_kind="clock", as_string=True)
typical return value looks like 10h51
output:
11h17
